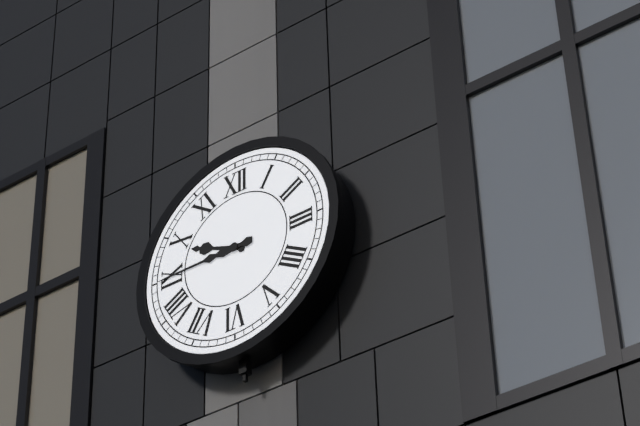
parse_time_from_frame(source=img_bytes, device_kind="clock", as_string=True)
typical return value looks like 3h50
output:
9h45
